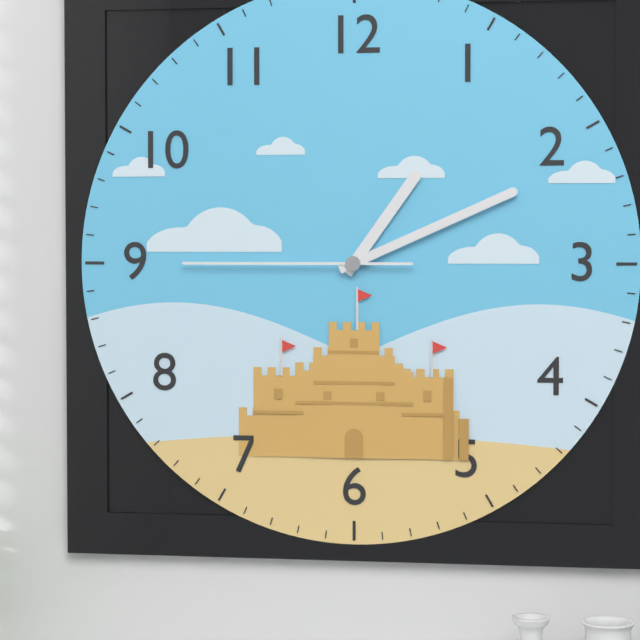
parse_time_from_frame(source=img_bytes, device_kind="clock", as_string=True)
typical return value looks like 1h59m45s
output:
1h11m45s
